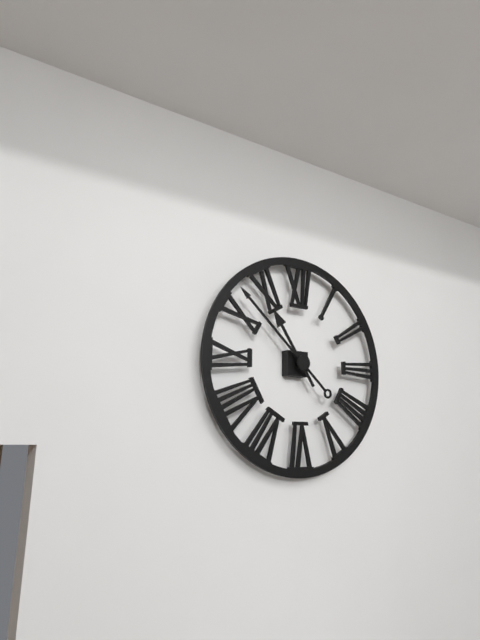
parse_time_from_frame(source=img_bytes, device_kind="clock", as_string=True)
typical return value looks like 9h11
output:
10h52
